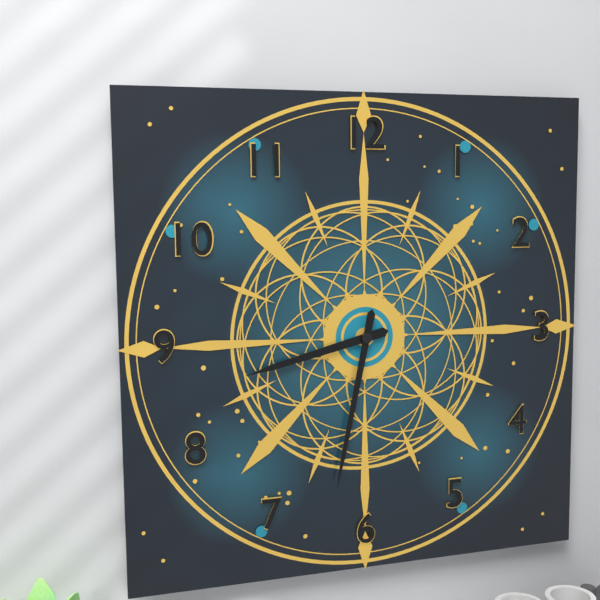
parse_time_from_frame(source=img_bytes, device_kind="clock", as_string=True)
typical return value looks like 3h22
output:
8h32
